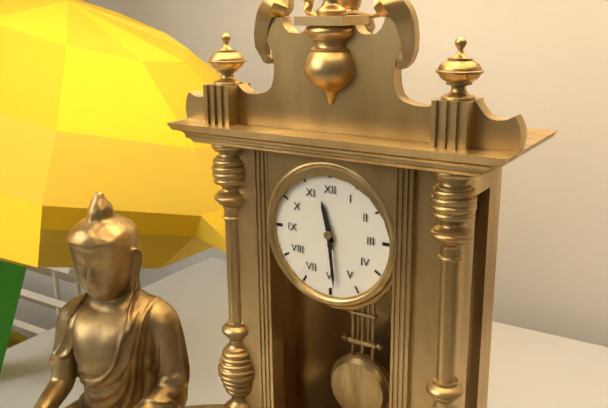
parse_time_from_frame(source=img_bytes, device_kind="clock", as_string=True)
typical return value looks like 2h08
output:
11h29
